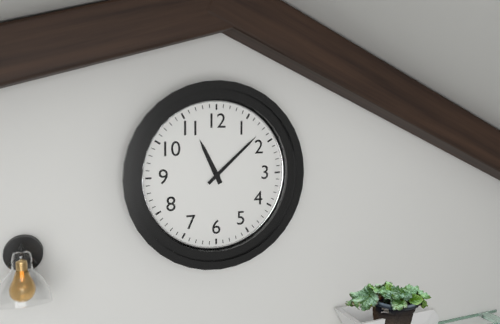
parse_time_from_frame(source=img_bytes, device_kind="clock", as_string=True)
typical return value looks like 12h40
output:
11h08
